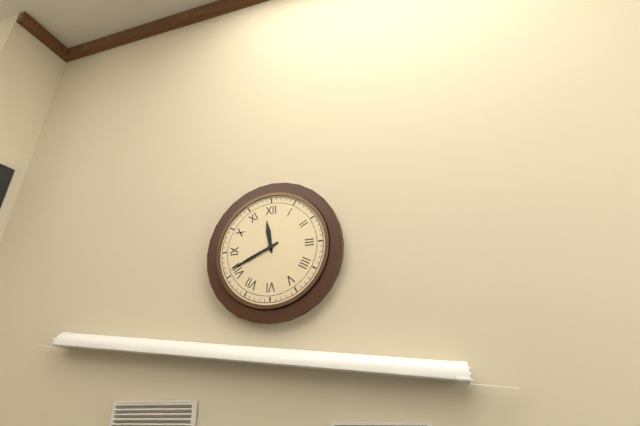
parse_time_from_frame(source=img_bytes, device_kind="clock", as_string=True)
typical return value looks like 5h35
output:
11h41
